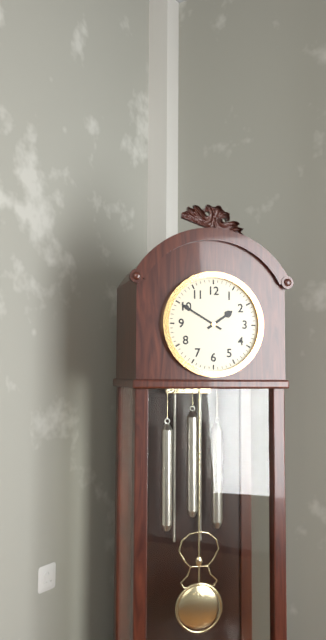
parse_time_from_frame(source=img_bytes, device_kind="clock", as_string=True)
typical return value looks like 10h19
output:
1h50
